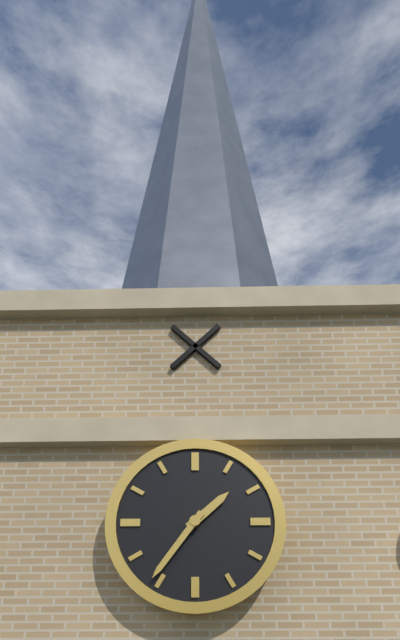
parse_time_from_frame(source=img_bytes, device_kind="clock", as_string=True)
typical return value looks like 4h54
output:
1h36
